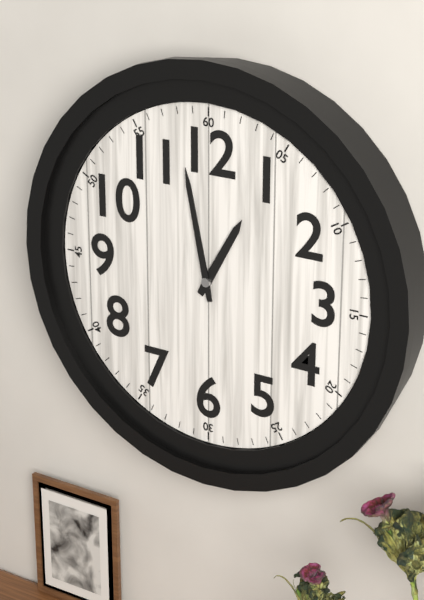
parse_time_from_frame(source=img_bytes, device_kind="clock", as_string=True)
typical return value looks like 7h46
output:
12h58
